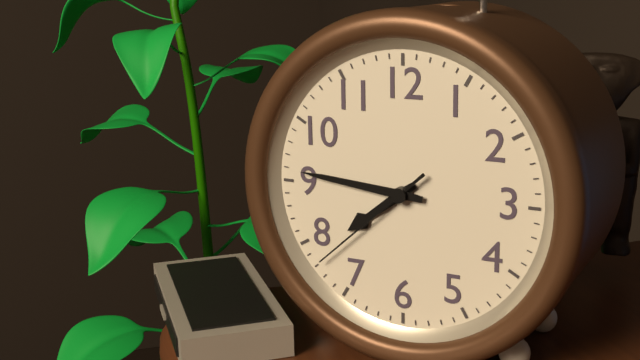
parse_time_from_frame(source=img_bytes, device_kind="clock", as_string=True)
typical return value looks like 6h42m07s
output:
7h46m38s
